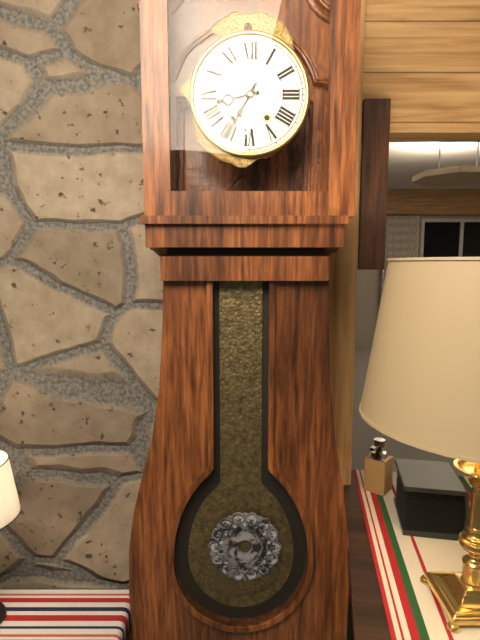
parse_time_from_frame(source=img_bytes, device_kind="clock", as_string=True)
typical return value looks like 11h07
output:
8h35
